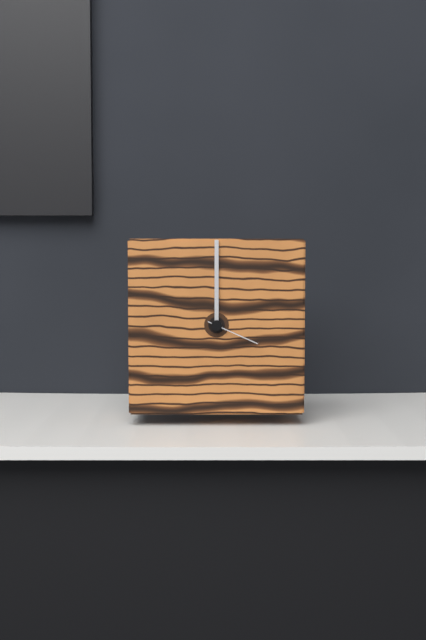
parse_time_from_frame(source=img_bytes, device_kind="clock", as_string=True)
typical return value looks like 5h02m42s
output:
12h00m19s
